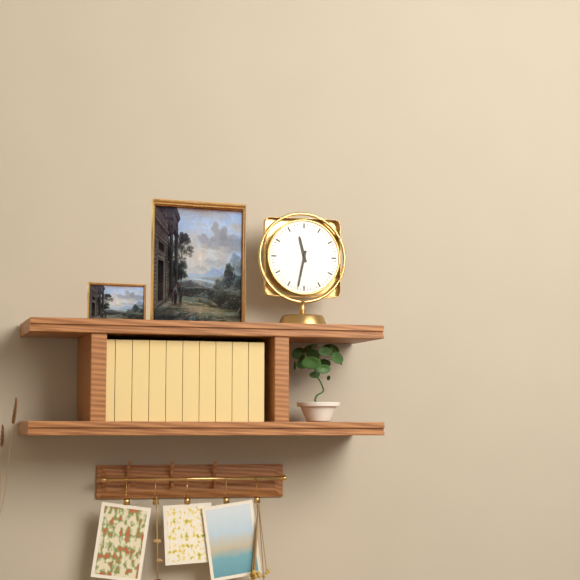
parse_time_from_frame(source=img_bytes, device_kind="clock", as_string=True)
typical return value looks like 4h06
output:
11h32
